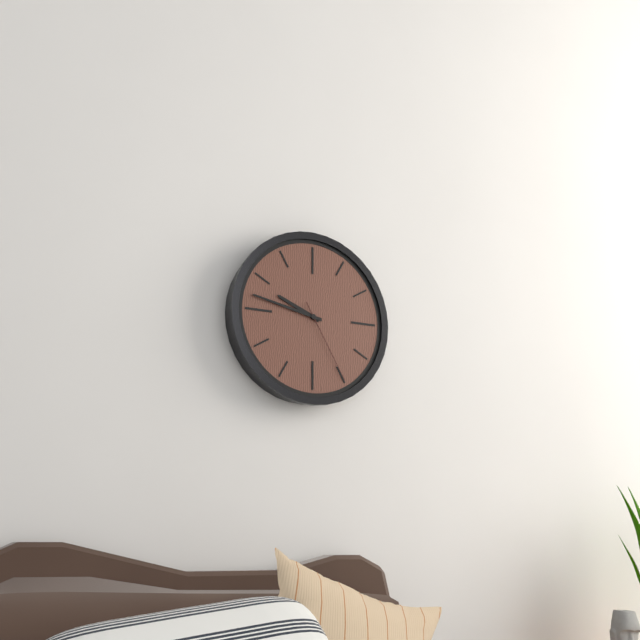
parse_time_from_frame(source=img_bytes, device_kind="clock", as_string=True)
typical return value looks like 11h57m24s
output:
9h47m25s
